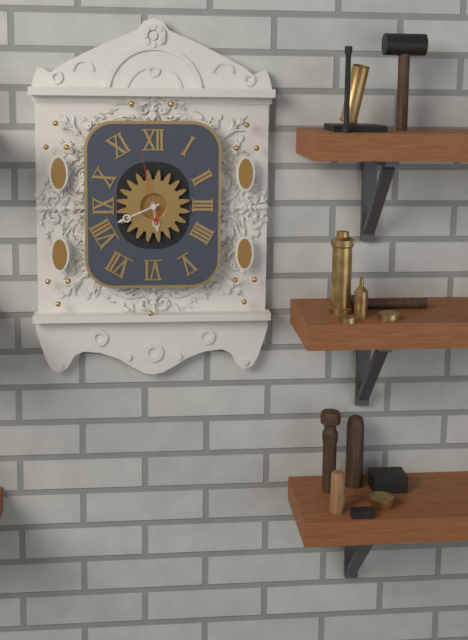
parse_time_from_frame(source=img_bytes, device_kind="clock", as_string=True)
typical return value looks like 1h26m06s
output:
5h41m58s
